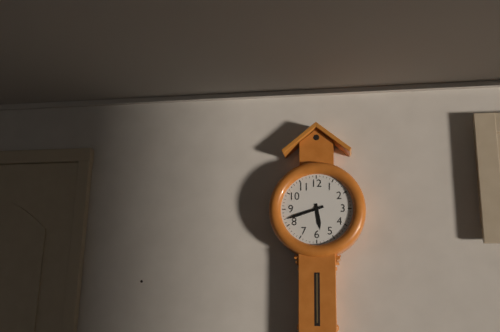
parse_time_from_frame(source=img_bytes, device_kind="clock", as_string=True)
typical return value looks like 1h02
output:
5h42
